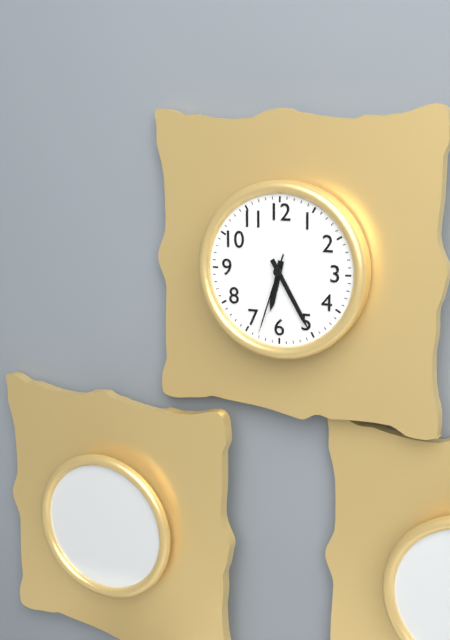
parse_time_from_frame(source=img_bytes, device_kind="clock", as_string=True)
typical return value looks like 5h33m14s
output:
6h25m33s
